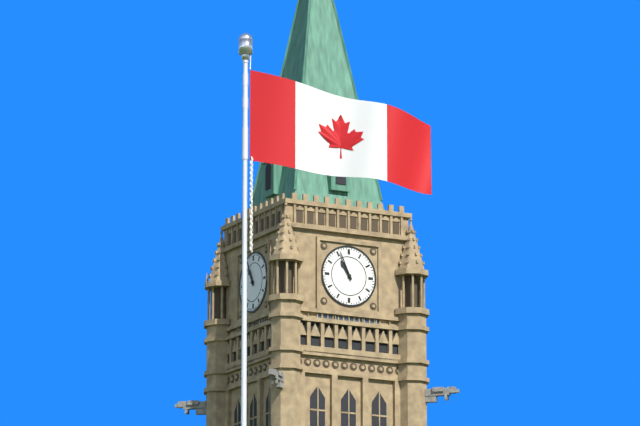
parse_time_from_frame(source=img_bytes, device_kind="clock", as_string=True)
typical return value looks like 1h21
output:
10h56
